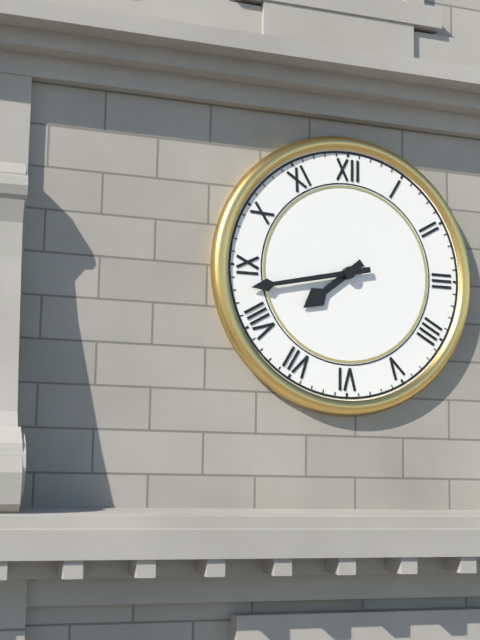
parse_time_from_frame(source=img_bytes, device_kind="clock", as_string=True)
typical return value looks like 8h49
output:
7h43
